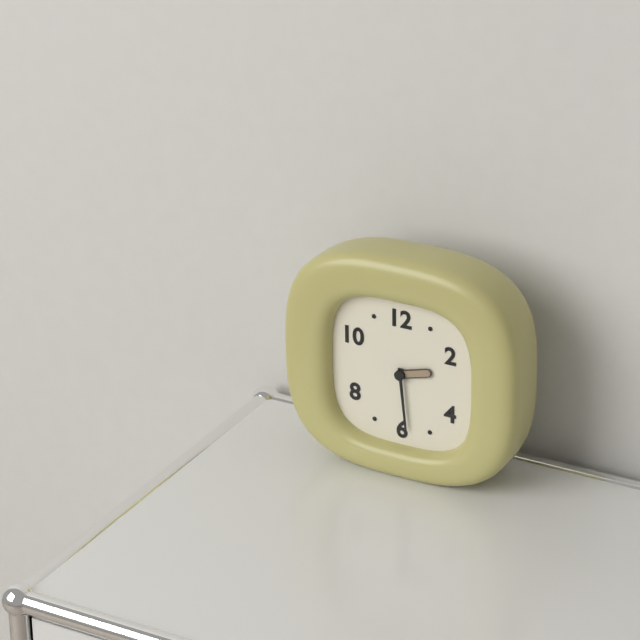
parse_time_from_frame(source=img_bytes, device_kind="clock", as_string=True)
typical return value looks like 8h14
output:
2h29
